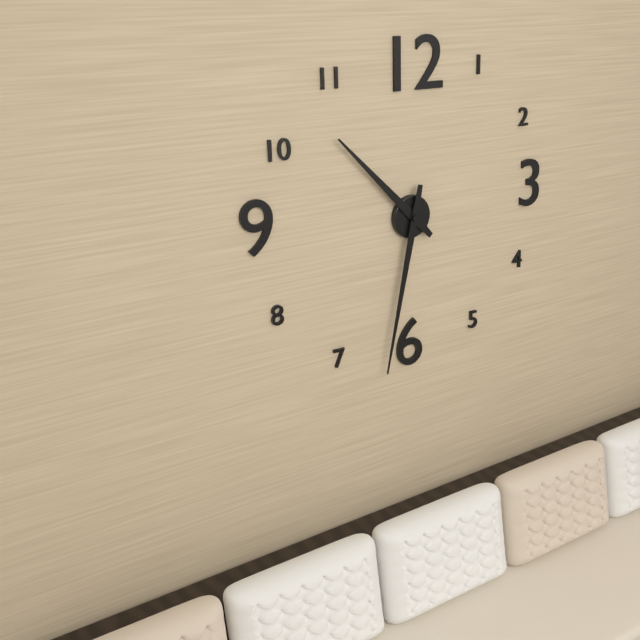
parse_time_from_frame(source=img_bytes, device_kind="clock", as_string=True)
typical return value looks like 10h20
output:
10h32
